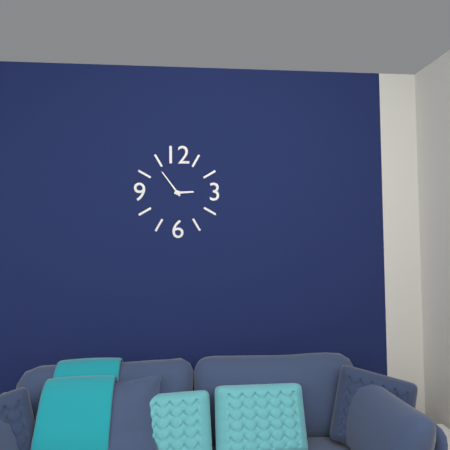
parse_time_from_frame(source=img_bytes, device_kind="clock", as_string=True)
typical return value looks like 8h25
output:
2h54
